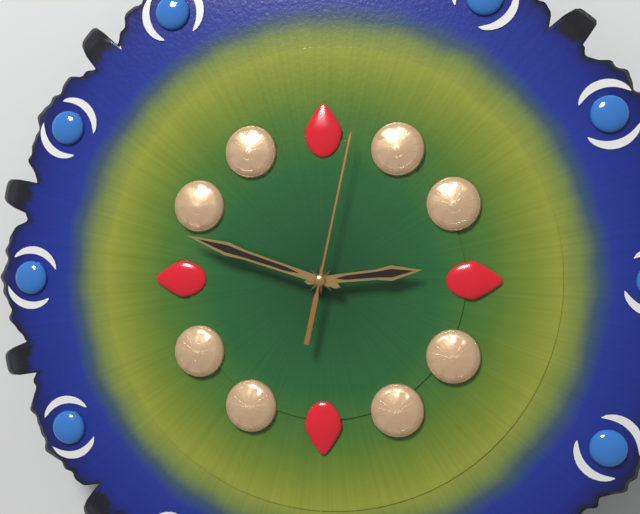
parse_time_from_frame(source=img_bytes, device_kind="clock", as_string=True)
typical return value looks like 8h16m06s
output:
2h48m02s
